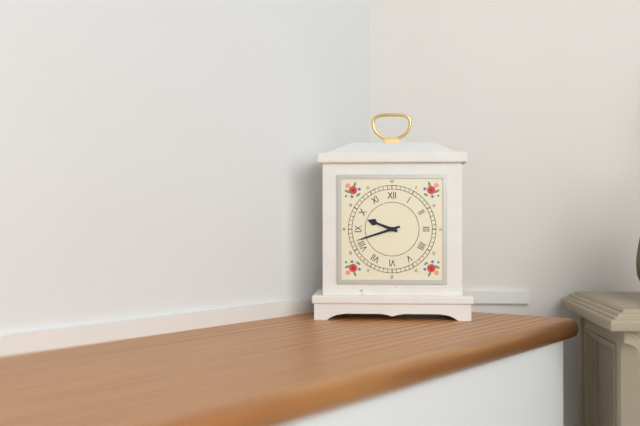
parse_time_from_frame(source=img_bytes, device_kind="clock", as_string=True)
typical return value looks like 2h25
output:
9h42
